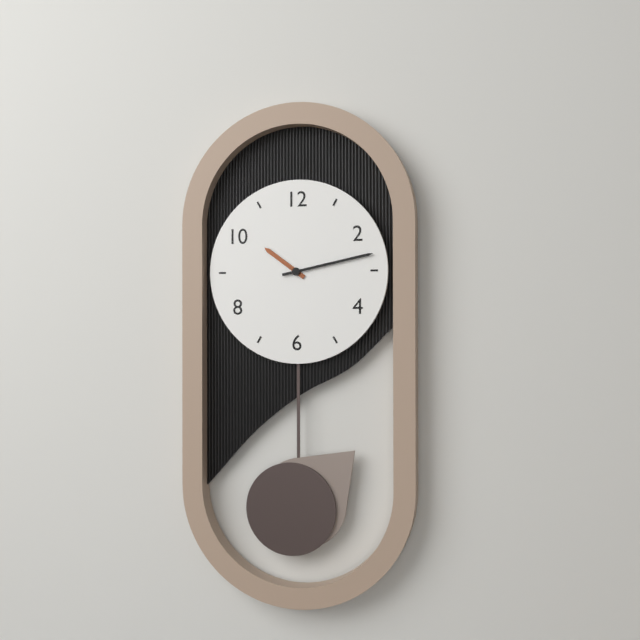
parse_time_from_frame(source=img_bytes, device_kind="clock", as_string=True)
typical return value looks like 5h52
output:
10h13
